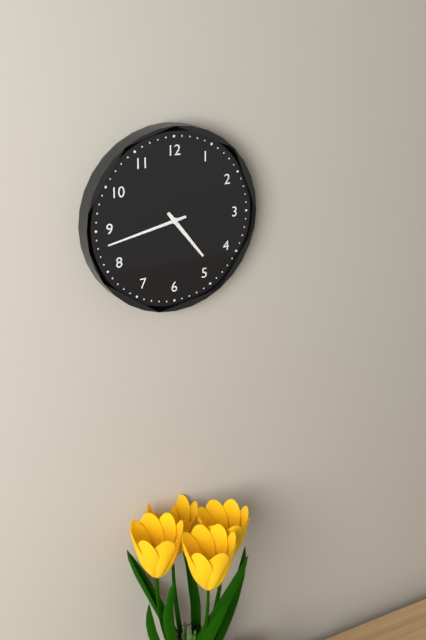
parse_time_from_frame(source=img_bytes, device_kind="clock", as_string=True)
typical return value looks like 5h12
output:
4h43
